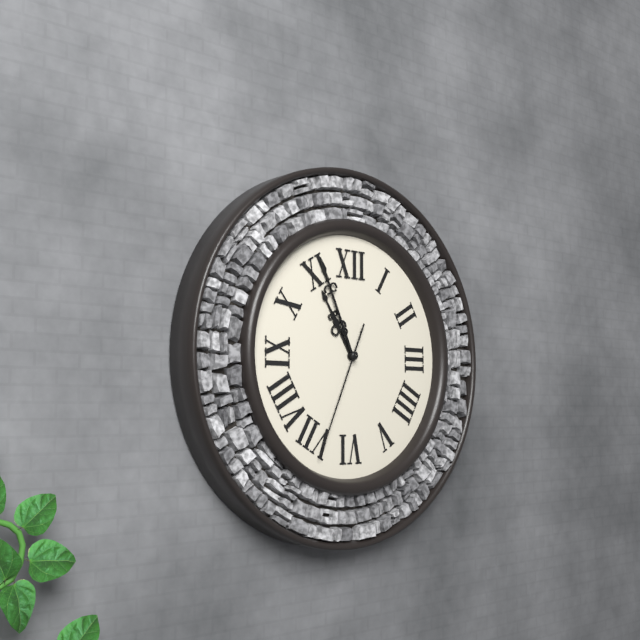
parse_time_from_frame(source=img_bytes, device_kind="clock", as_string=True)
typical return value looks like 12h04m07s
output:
10h56m34s
